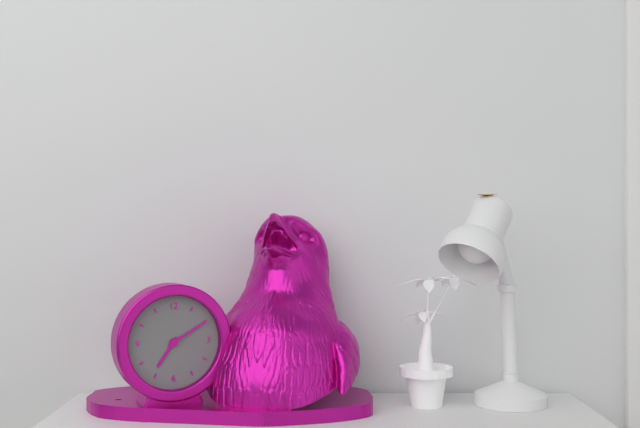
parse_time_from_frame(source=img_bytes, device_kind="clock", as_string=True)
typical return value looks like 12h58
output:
7h10
